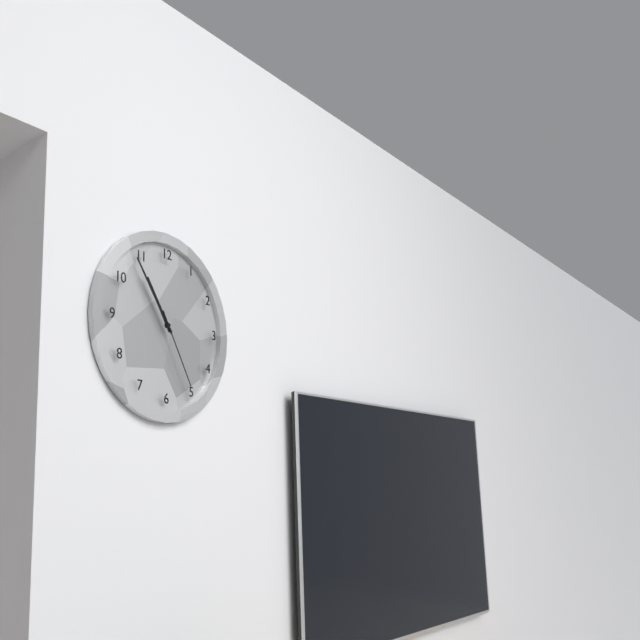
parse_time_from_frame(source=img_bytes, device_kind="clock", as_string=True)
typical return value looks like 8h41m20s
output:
10h54m25s
